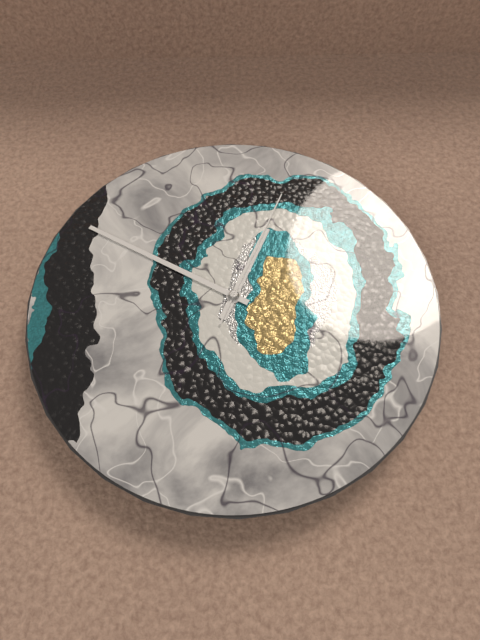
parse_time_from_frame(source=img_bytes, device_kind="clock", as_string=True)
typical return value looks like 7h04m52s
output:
12h50m04s
